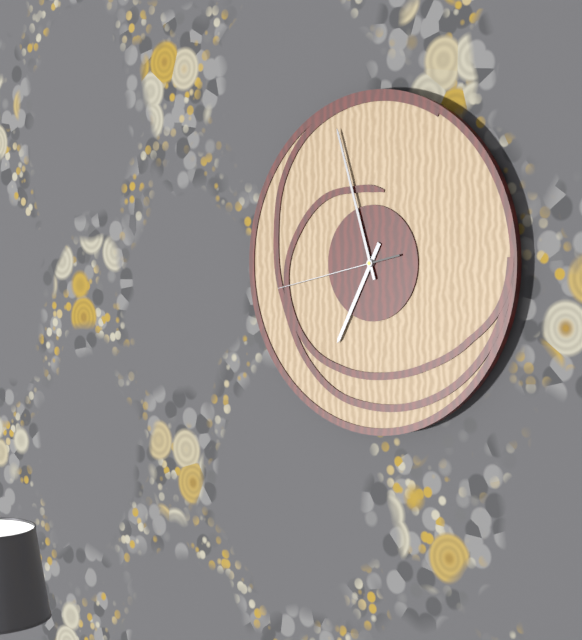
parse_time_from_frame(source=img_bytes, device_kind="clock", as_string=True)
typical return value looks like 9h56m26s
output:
6h57m43s
